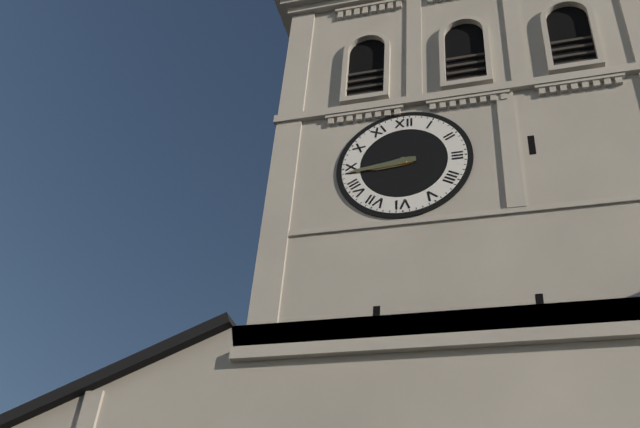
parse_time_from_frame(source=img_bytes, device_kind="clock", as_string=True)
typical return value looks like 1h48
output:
8h44
